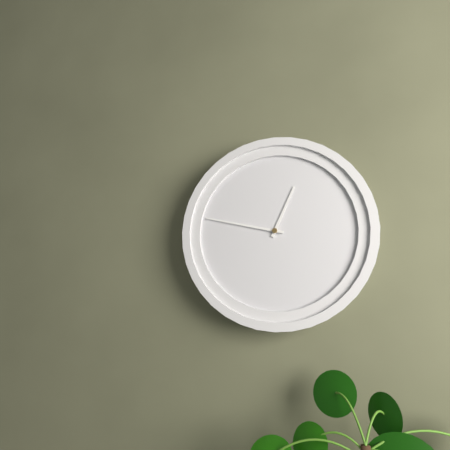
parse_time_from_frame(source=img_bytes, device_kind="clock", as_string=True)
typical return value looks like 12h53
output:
12h47
